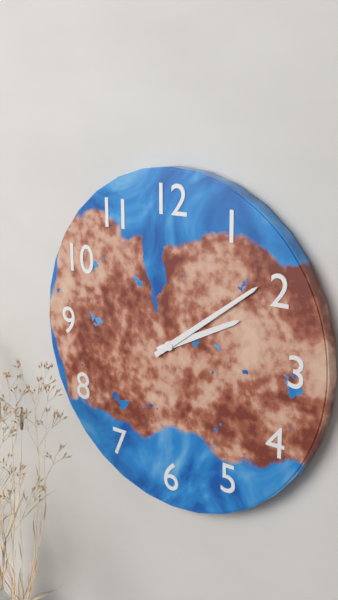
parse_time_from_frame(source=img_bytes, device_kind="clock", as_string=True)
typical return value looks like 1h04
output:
2h09
